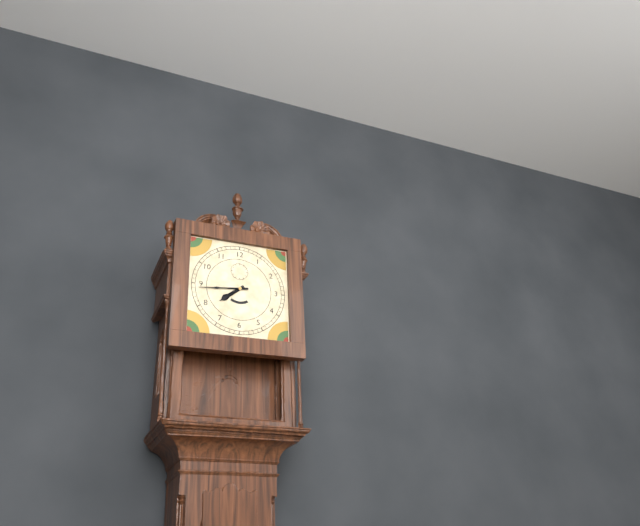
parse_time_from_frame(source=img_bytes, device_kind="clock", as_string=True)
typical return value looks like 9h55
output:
7h44
